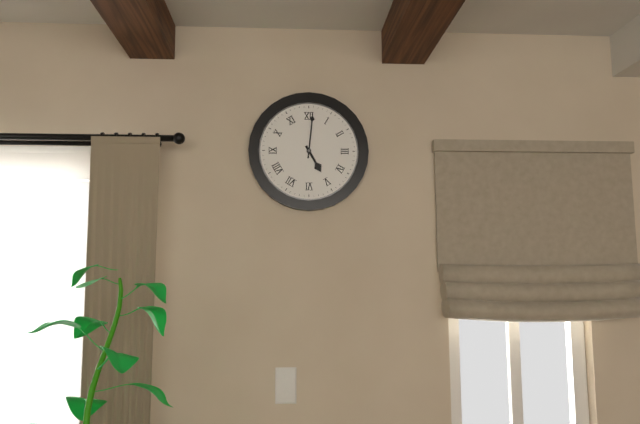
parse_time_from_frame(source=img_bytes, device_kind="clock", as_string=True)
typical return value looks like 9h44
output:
5h01
